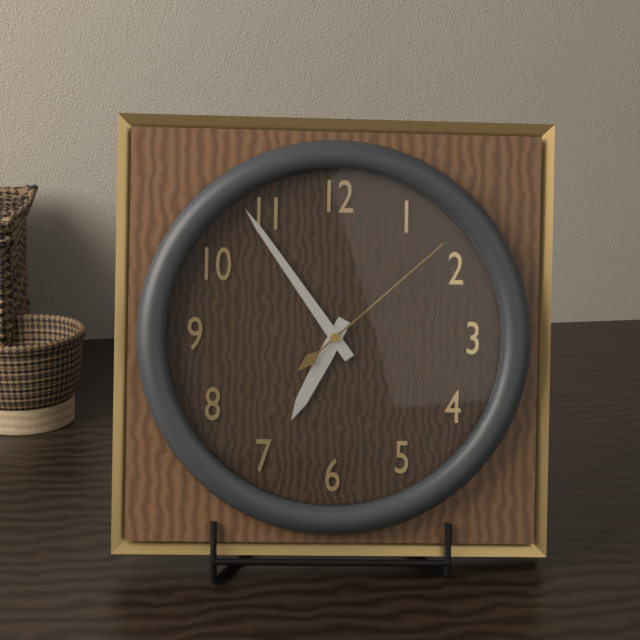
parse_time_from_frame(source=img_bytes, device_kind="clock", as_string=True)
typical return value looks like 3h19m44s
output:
6h54m08s
